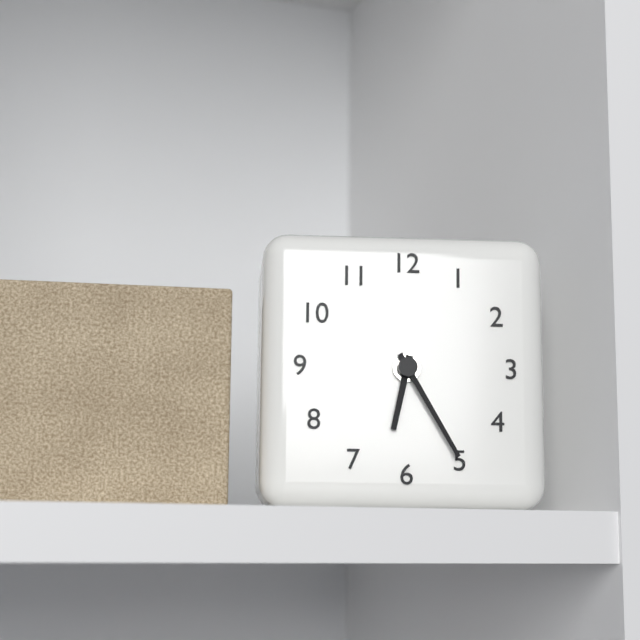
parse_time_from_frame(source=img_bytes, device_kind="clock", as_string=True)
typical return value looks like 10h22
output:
6h25
